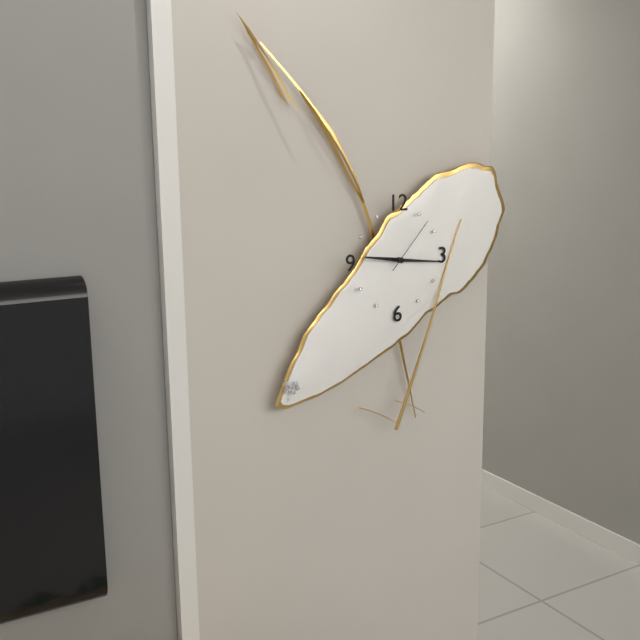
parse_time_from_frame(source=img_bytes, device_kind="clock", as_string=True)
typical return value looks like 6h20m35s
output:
9h16m07s
